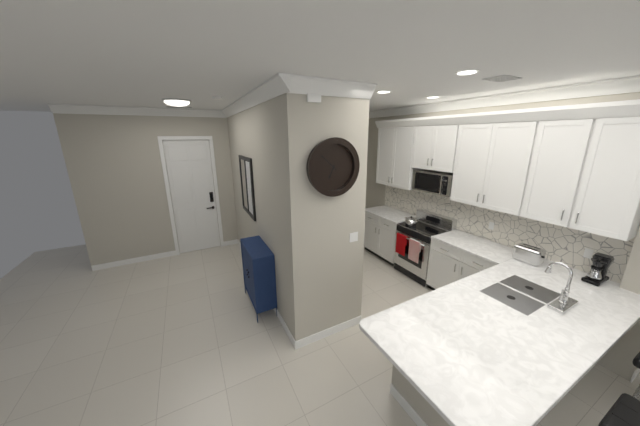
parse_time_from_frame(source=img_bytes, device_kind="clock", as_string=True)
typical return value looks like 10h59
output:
6h52
